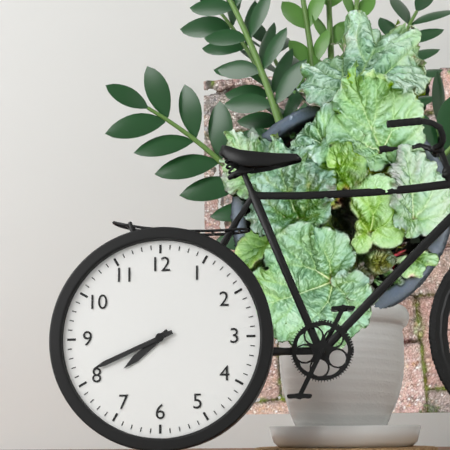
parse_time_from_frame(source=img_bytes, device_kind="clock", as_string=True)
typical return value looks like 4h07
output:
7h41
